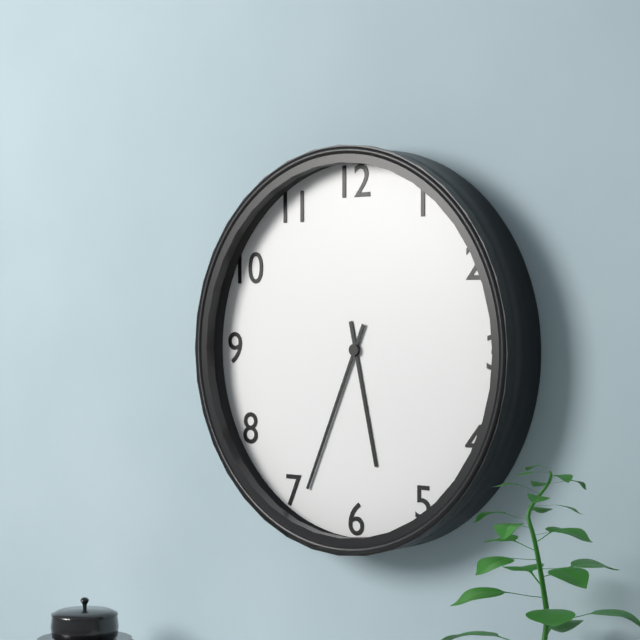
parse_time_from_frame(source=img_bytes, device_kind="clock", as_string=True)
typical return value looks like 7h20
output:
5h34
